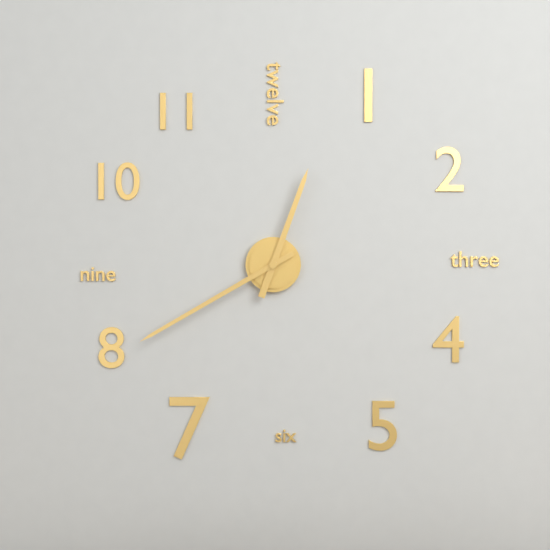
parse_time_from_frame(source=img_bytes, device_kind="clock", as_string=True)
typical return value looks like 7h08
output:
12h40
